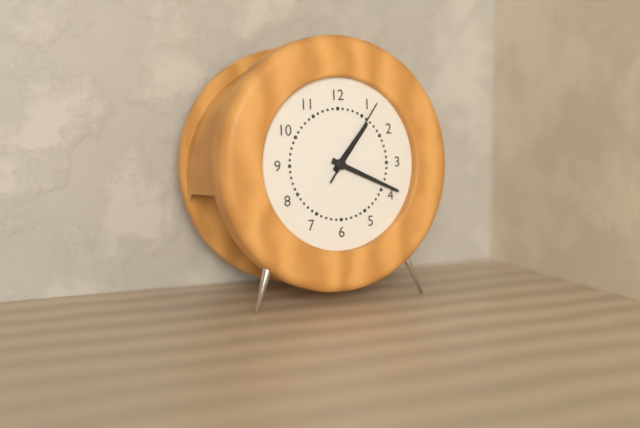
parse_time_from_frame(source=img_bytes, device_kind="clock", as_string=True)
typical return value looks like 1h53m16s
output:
1h19m06s
